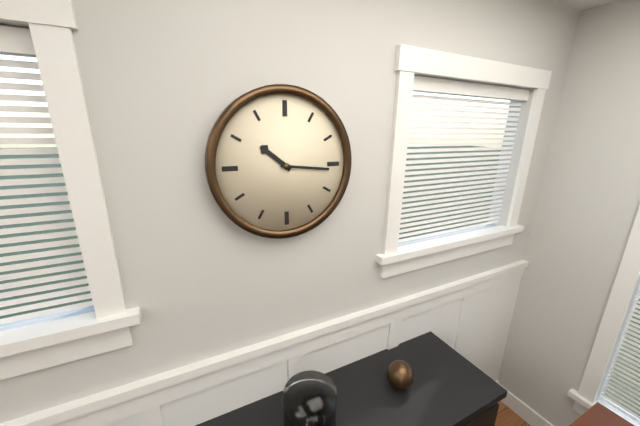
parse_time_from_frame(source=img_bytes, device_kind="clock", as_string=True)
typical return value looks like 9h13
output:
10h16
